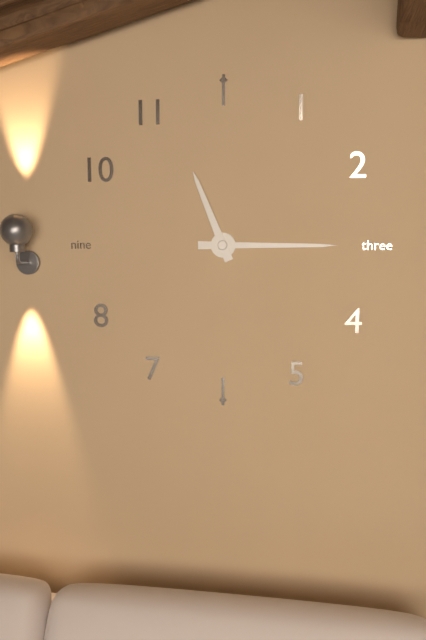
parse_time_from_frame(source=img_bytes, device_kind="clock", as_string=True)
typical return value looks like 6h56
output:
11h15
